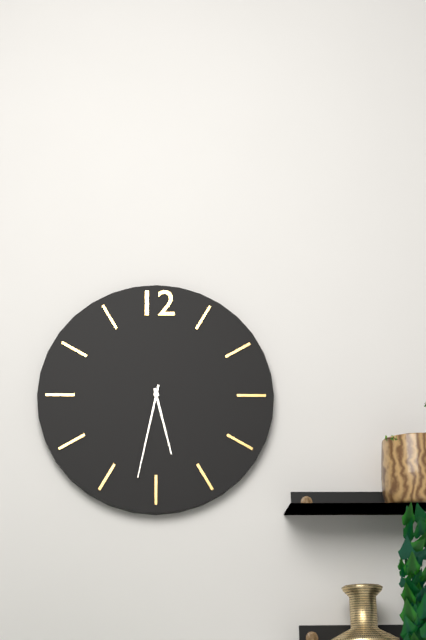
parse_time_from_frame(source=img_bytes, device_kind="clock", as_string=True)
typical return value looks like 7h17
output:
5h32
